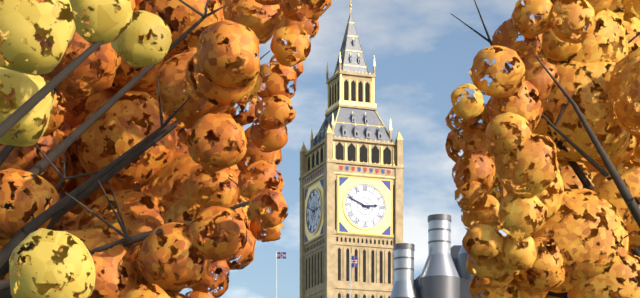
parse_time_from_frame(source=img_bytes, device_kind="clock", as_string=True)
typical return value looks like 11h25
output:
2h49
